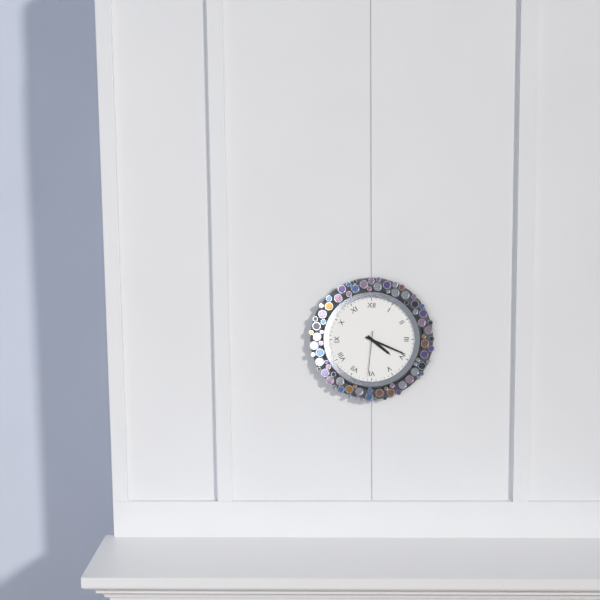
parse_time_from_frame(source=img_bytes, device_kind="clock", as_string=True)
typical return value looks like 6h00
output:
4h19
